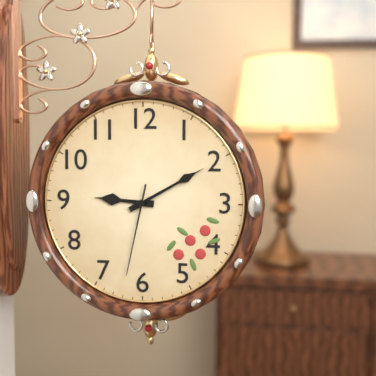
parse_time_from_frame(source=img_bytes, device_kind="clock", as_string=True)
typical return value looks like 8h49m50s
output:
9h10m32s
